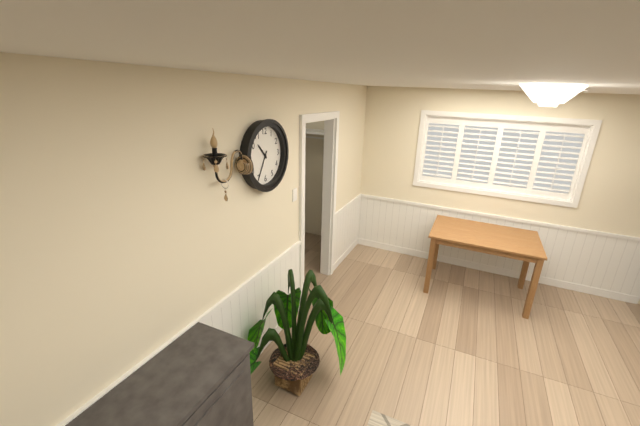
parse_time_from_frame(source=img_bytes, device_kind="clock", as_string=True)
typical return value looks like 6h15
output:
10h35
